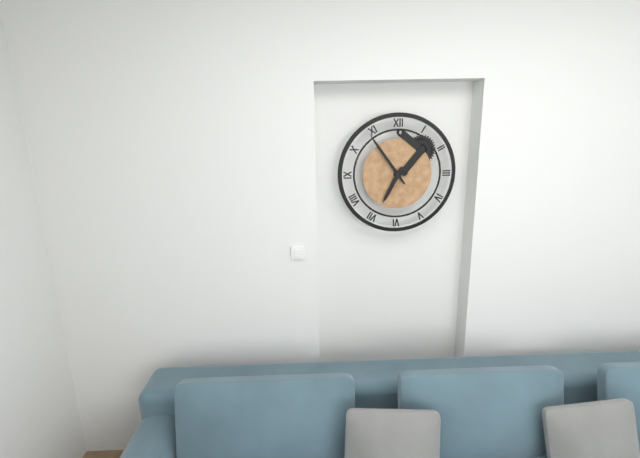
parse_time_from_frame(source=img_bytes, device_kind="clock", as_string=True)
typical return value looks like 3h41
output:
6h54
